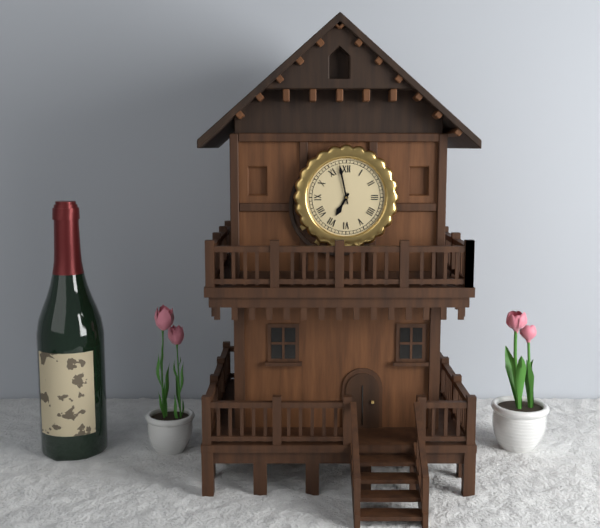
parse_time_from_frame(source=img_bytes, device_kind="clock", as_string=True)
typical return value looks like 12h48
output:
6h58
